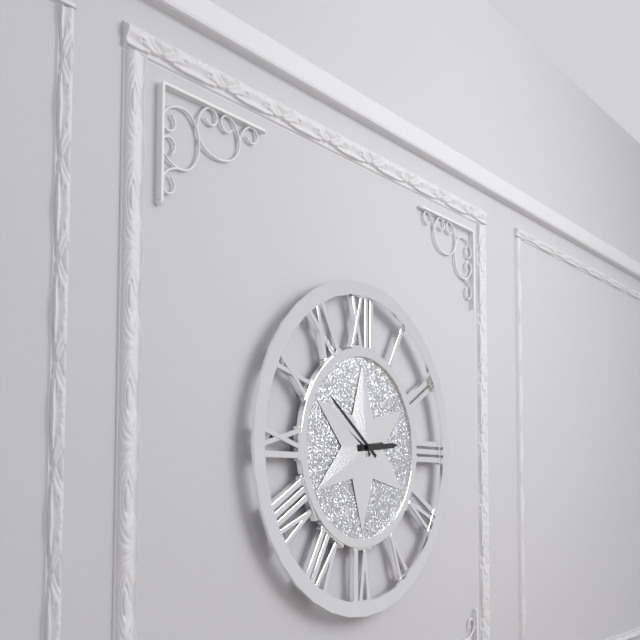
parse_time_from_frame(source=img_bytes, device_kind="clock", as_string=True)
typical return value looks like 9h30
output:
2h51
